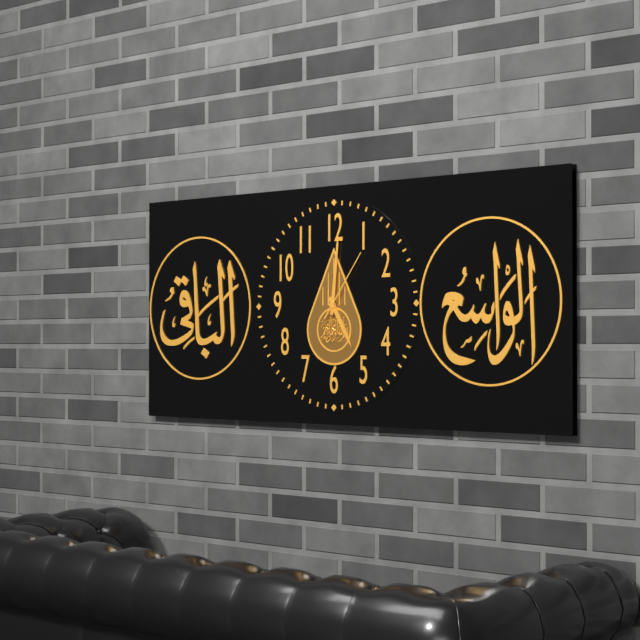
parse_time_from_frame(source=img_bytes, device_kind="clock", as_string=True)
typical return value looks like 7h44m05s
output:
5h01m06s
